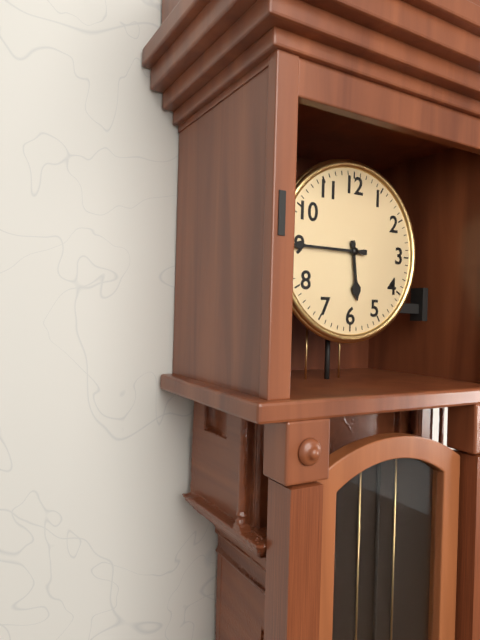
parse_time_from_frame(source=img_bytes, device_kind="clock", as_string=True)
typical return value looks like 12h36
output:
5h45
